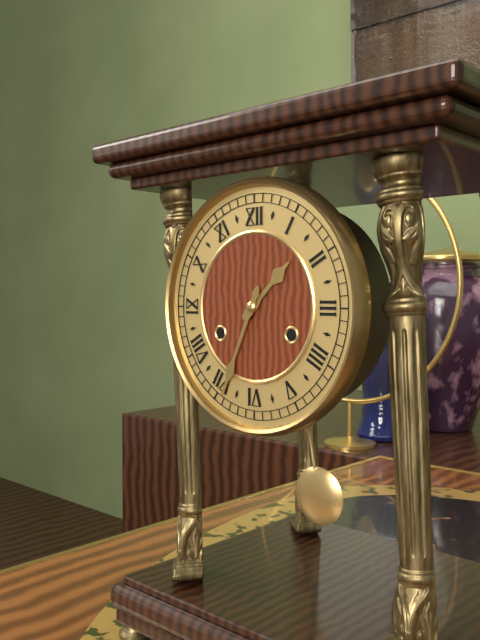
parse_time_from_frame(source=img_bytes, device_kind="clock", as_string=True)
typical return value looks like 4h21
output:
1h34
